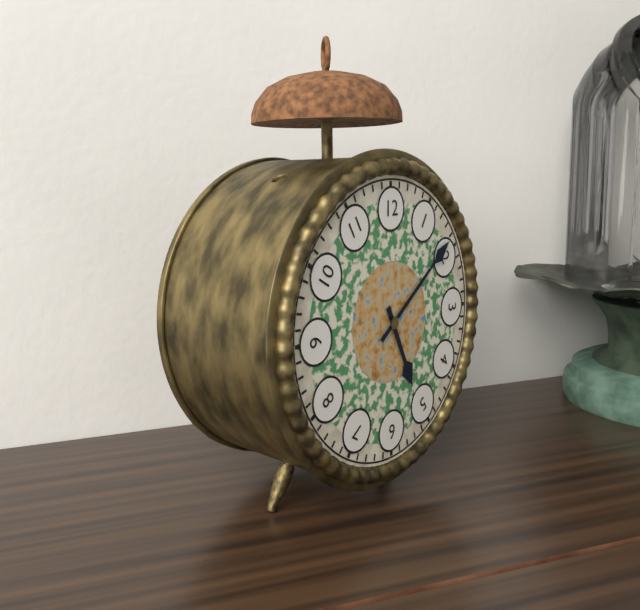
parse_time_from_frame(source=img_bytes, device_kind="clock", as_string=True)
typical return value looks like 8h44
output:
5h09
